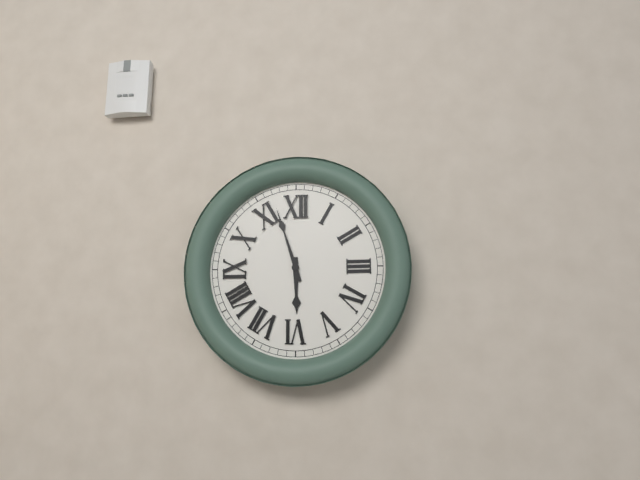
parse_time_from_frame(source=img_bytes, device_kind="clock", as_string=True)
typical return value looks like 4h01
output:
5h57
